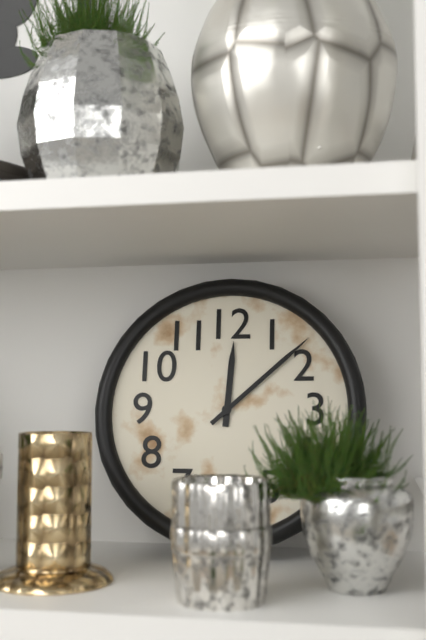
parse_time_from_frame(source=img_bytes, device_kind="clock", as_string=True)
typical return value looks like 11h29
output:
12h08
